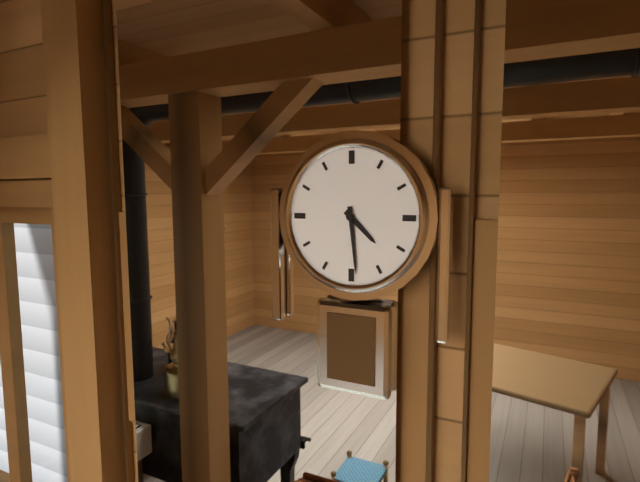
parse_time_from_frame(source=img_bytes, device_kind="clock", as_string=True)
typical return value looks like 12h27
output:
4h29
